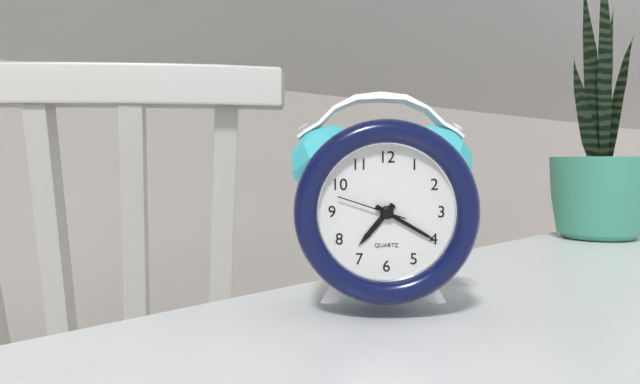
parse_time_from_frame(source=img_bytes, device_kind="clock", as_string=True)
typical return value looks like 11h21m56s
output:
7h20m48s
